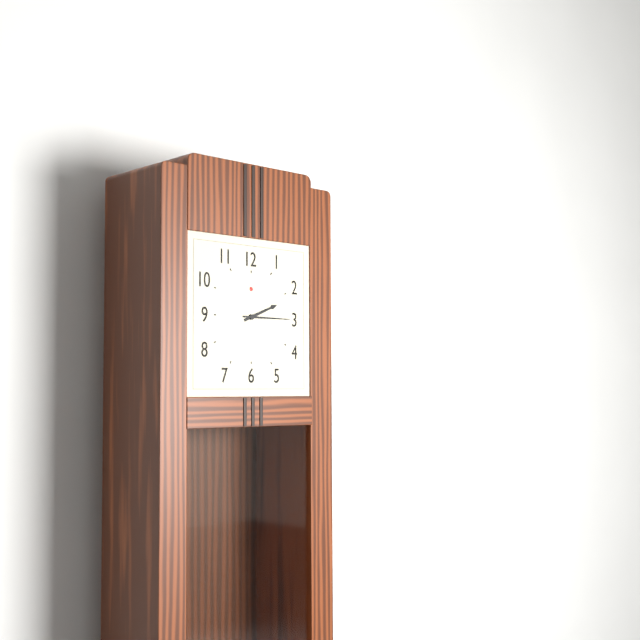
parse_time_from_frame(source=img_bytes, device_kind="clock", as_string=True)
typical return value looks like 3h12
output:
2h15
